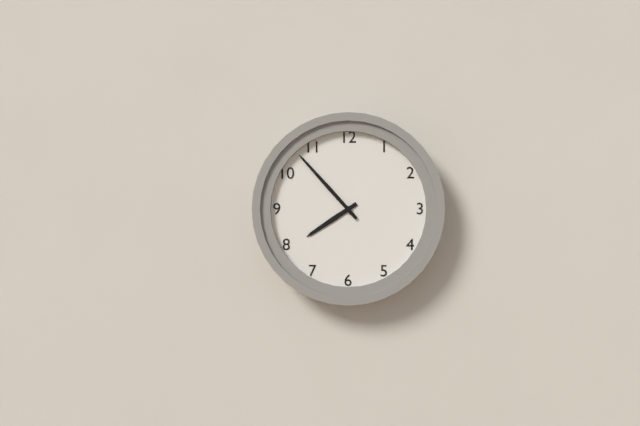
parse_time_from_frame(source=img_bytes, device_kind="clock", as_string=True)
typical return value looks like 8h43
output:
7h53
